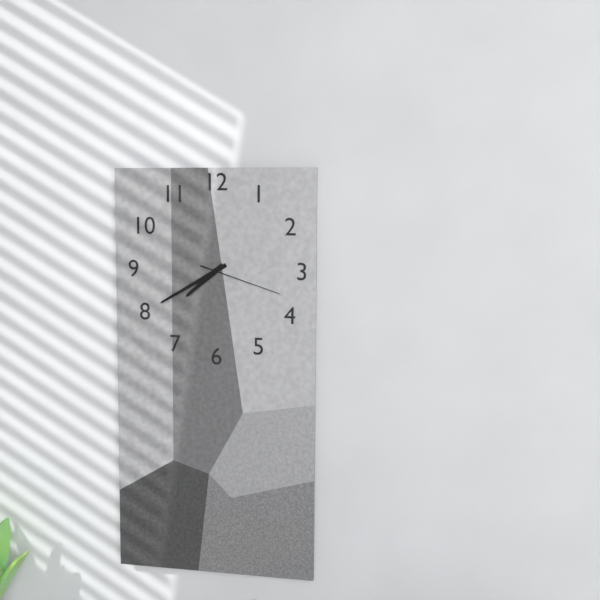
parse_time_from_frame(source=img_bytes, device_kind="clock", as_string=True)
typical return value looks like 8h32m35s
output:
7h40m18s
